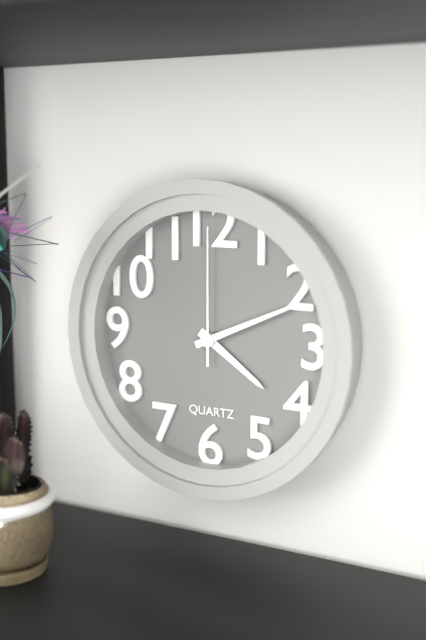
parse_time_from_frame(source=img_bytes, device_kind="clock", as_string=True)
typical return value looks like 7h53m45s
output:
4h11m00s
